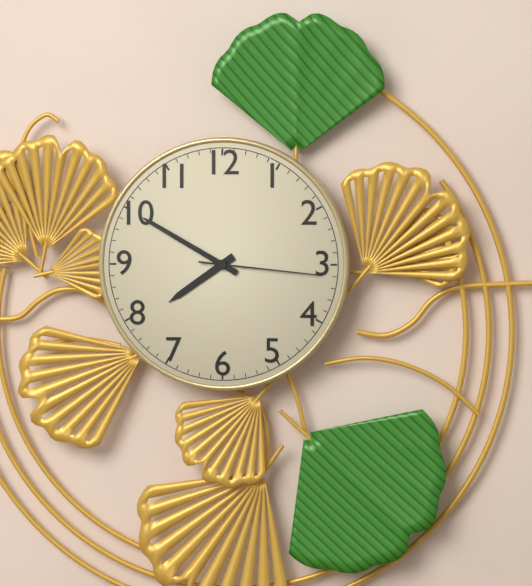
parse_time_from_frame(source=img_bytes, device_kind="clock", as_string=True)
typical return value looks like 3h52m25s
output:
7h50m16s
